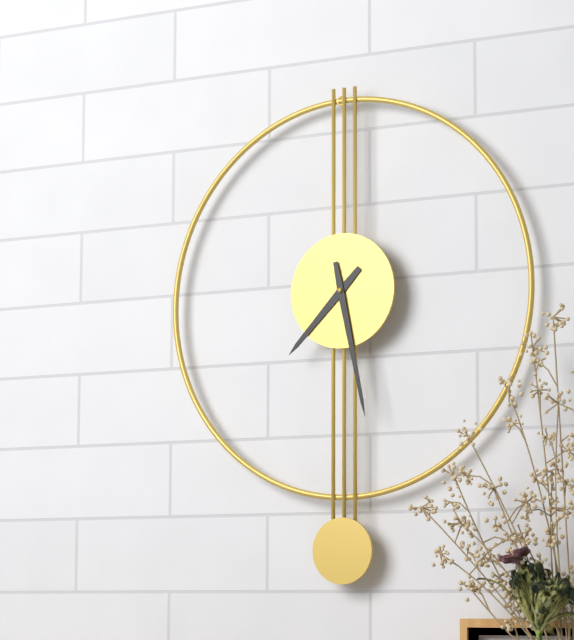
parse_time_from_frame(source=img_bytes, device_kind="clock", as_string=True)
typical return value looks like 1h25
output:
7h28
